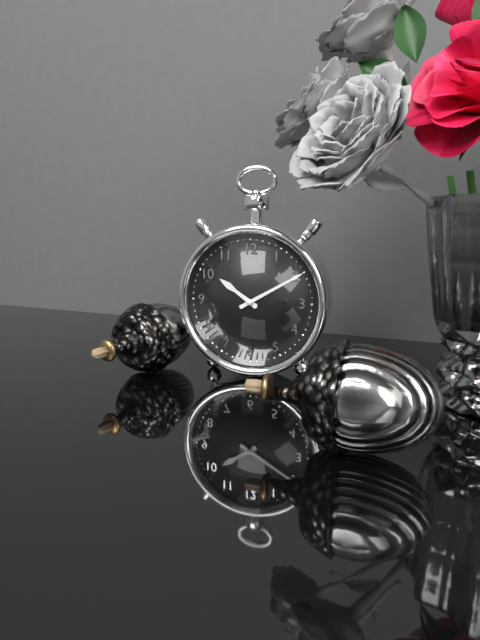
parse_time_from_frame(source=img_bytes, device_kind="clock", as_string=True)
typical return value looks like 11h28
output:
10h10
